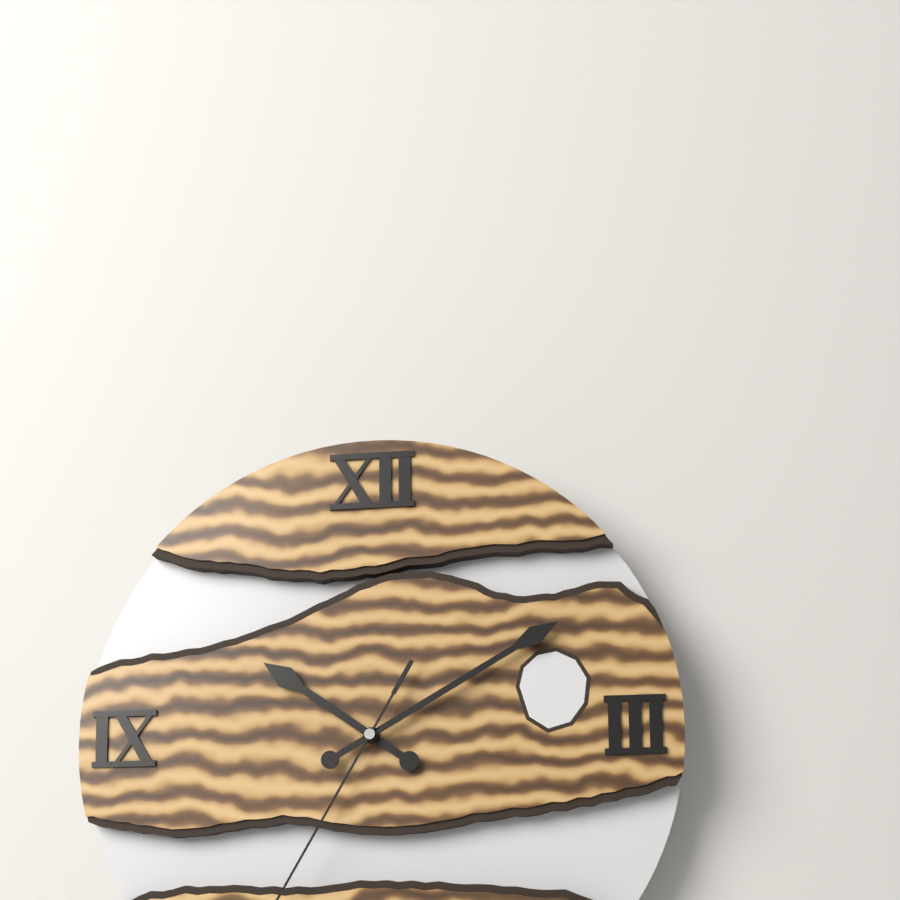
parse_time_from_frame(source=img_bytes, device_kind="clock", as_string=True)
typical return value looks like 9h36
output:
10h10
